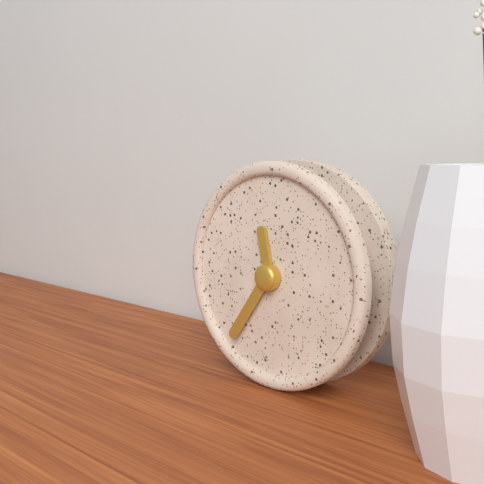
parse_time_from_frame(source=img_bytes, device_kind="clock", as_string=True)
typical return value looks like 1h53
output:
11h36
